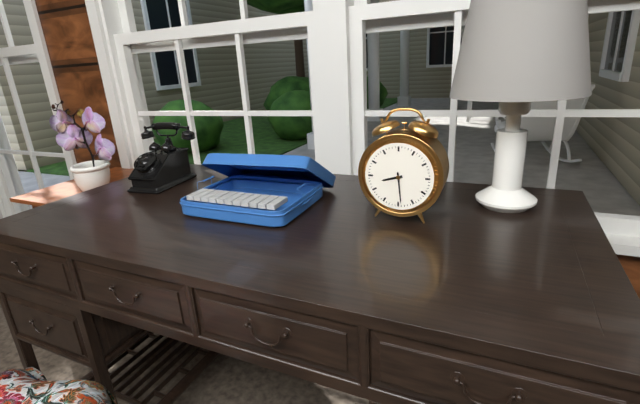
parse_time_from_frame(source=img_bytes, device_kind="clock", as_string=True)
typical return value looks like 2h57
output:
8h29
